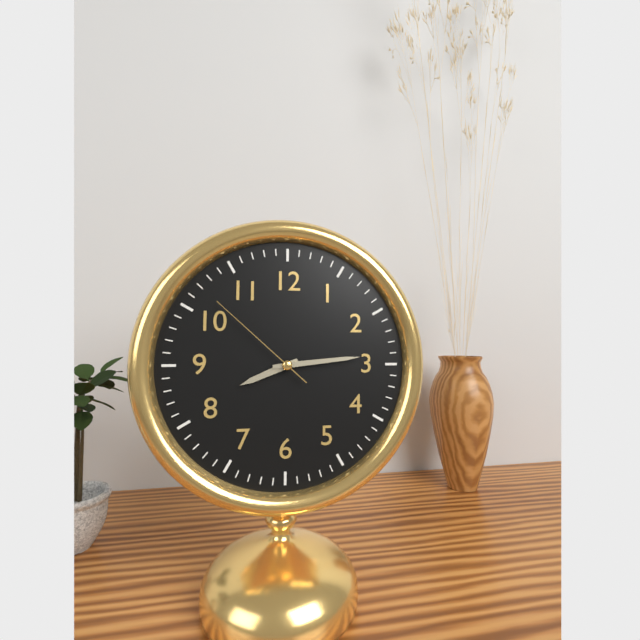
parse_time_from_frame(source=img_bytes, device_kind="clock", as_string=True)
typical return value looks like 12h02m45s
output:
8h14m52s
